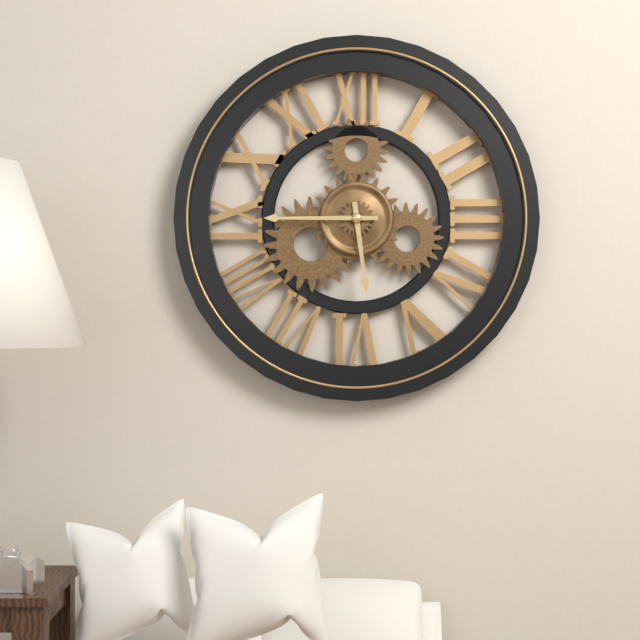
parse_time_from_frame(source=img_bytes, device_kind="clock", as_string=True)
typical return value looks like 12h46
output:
5h45
